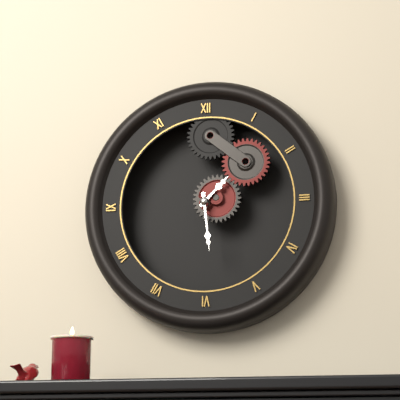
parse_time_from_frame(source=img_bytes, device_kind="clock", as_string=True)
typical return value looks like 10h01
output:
1h29
